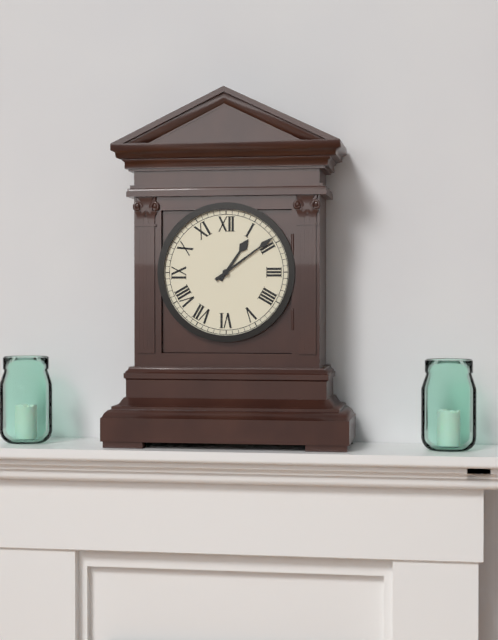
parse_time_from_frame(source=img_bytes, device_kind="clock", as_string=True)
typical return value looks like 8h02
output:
1h09
